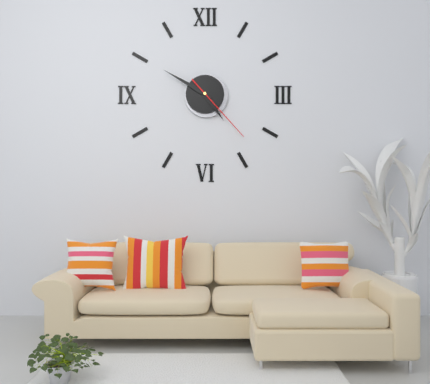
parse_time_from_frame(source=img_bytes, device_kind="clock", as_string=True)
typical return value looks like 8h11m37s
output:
4h50m23s
